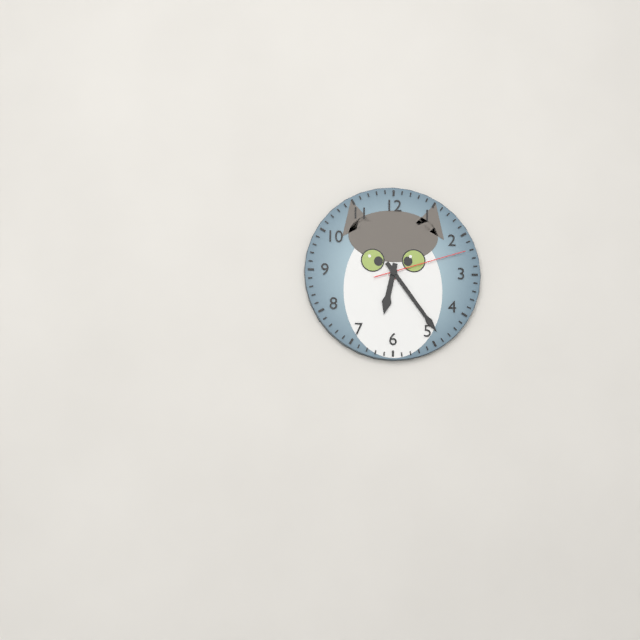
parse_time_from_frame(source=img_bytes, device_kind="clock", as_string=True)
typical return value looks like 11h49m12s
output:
6h24m12s
